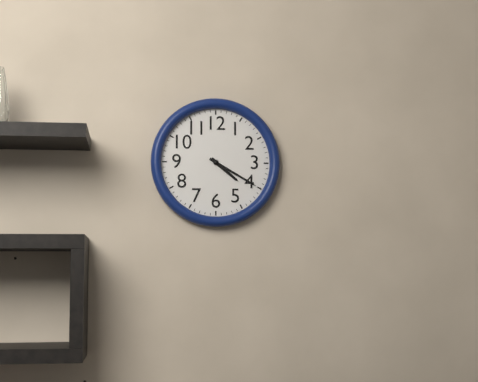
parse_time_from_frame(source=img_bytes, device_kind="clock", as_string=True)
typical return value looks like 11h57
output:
4h20
